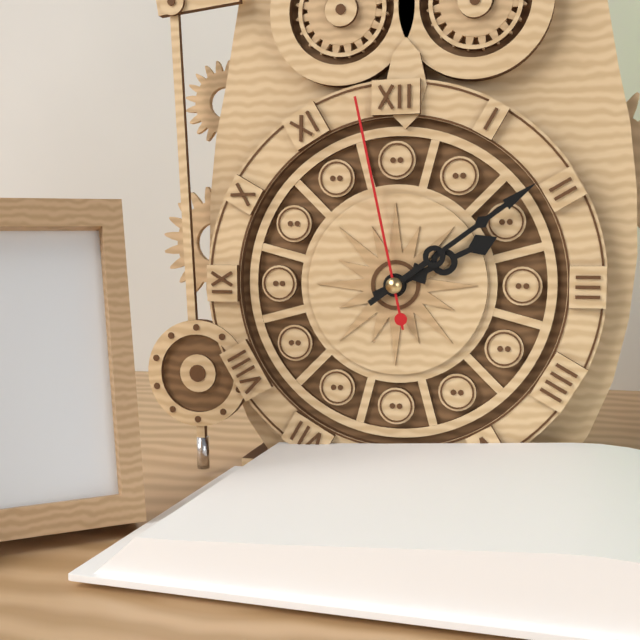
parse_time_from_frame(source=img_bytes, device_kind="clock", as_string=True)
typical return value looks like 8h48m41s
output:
2h09m58s
